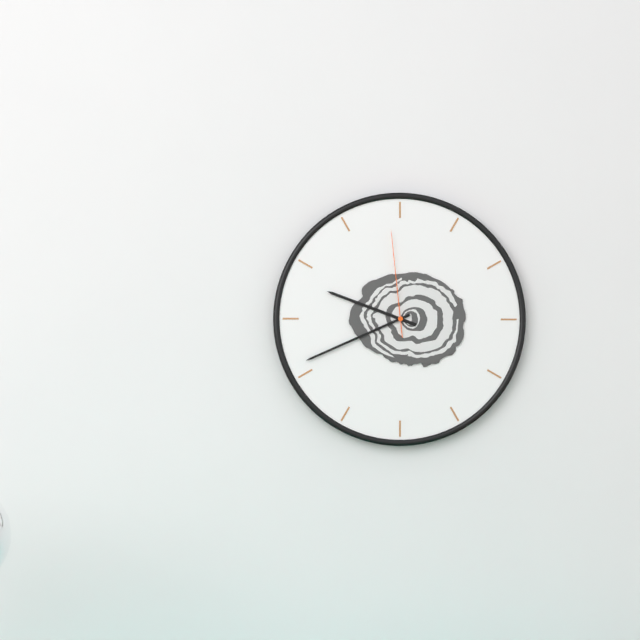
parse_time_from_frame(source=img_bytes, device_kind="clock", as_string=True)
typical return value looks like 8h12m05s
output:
9h41m59s
